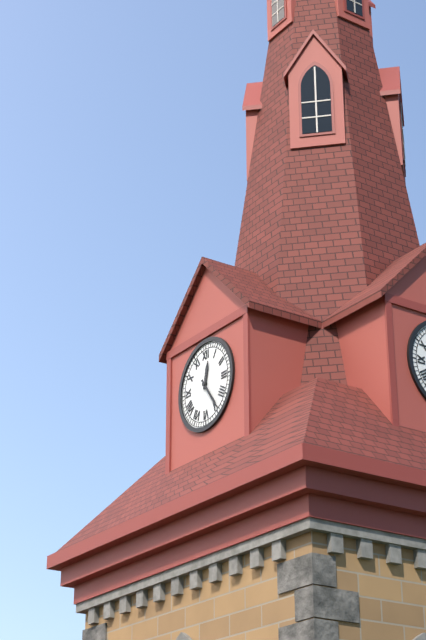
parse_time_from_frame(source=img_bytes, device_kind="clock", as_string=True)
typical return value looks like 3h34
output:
12h24
